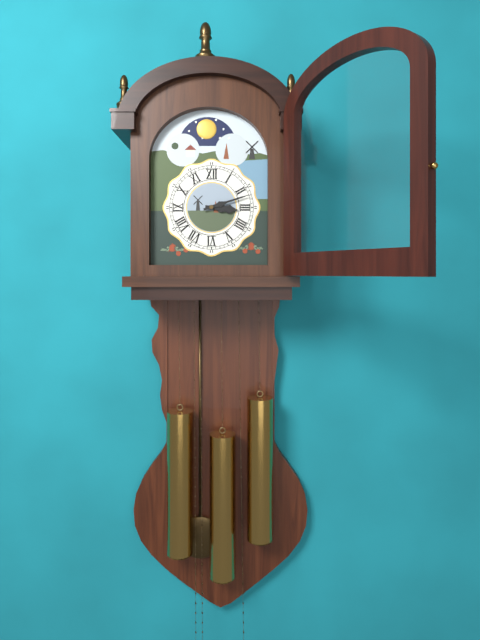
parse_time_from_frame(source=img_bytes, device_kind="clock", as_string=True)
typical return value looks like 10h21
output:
3h12
